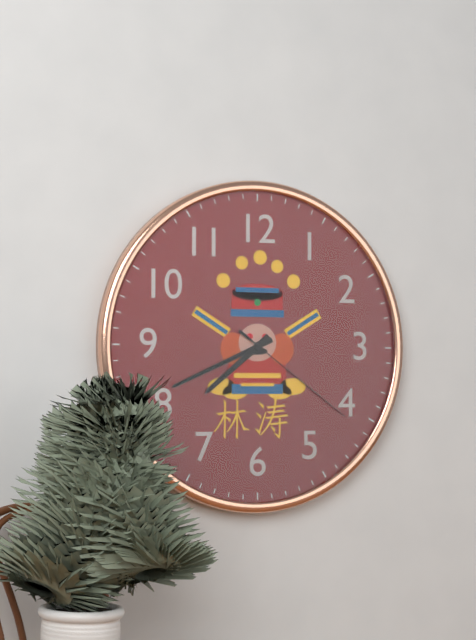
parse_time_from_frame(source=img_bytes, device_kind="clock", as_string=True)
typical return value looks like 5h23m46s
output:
7h41m21s
